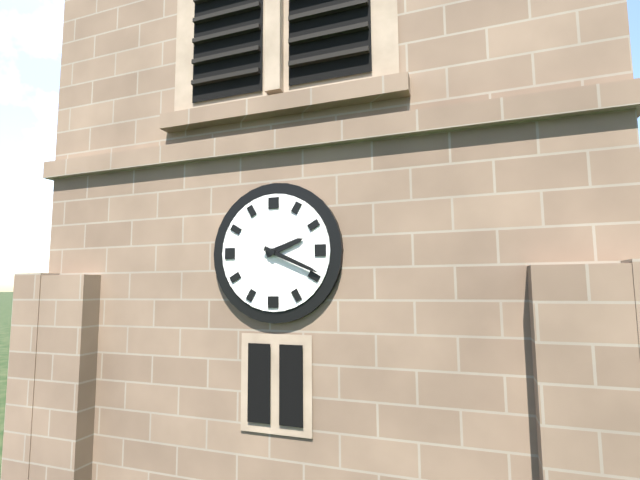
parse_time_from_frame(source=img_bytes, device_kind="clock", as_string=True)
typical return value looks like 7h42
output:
2h19
